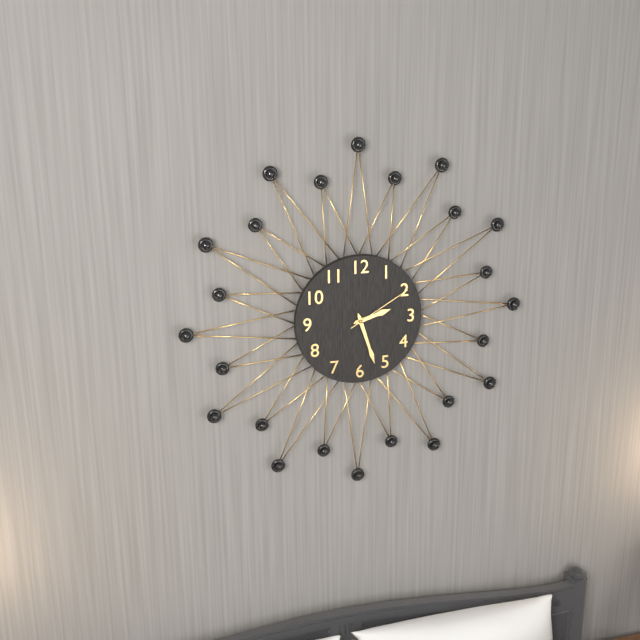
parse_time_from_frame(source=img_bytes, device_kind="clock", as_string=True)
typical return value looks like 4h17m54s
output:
2h27m10s
